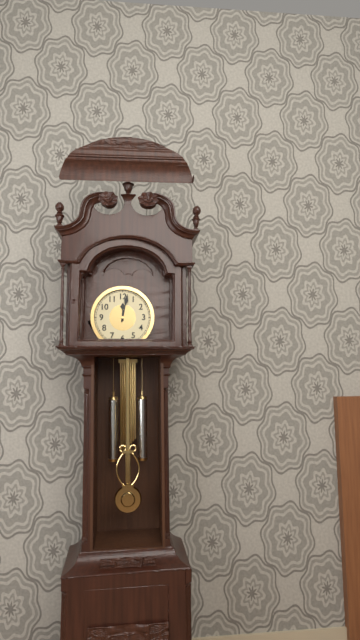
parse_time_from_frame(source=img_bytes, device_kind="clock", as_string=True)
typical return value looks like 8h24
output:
12h02
